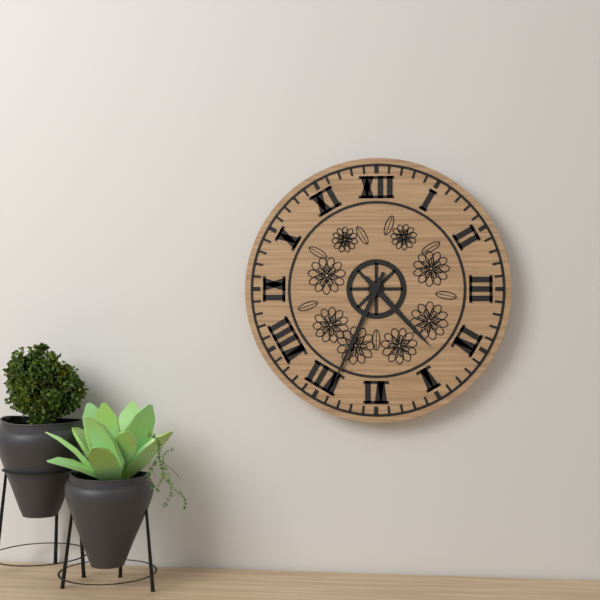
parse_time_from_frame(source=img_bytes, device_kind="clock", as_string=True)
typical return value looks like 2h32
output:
4h34
